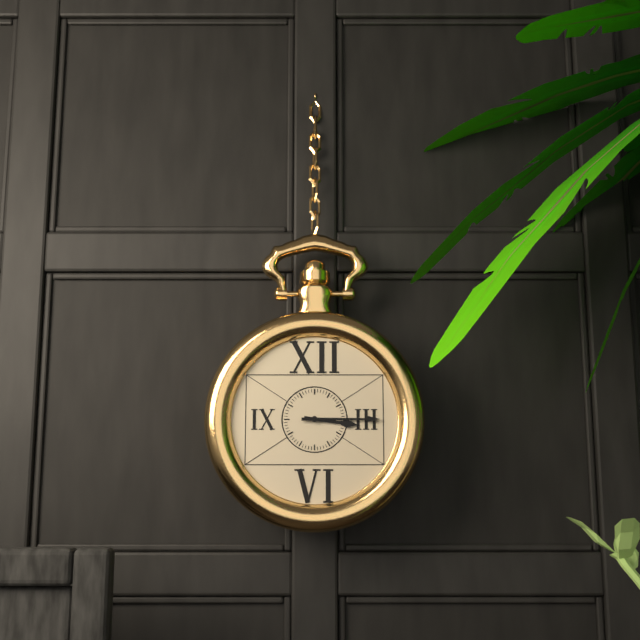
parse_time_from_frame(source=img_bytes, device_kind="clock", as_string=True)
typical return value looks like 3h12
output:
3h15
